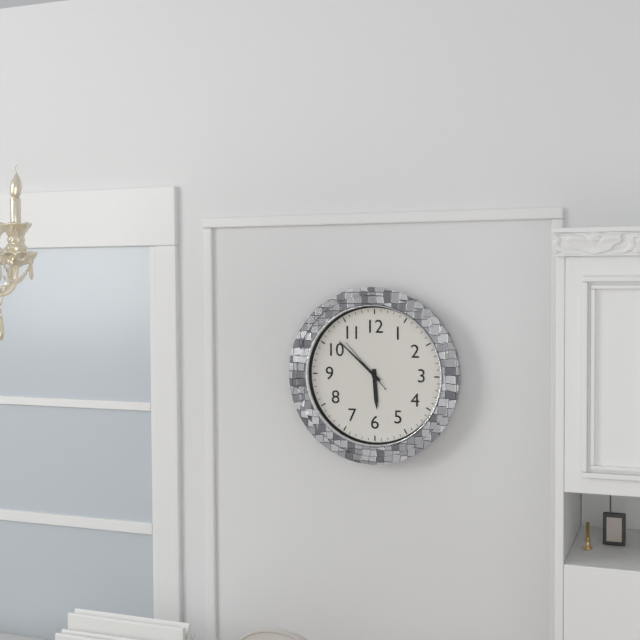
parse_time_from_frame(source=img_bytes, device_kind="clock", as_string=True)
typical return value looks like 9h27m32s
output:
5h52m53s
